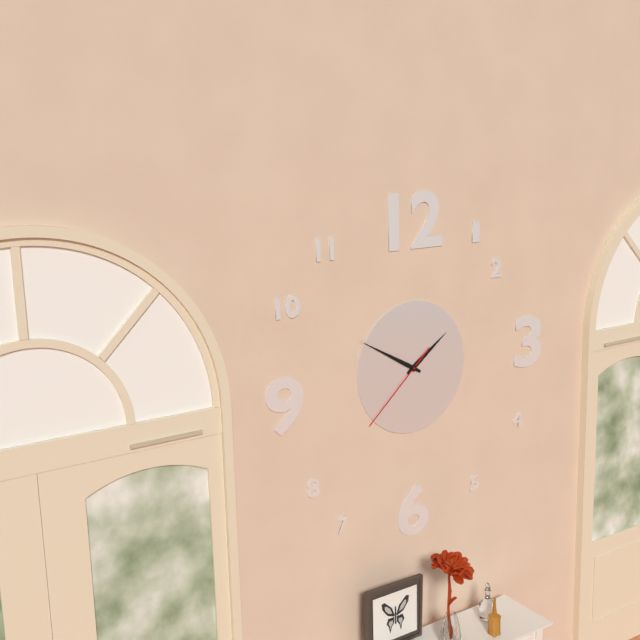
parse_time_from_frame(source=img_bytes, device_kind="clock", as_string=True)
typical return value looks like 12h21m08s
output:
1h50m38s
